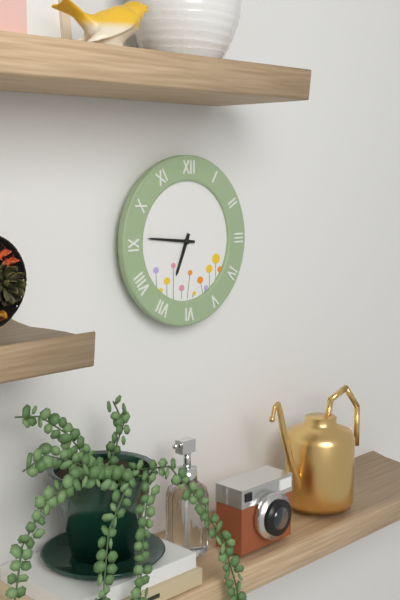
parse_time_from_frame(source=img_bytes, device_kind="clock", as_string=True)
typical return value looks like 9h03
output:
6h46
